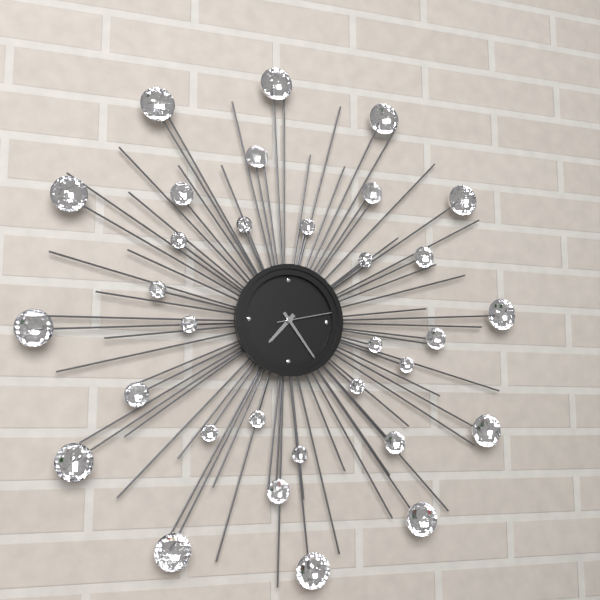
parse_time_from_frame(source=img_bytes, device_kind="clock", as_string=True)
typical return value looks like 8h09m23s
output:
7h24m13s
